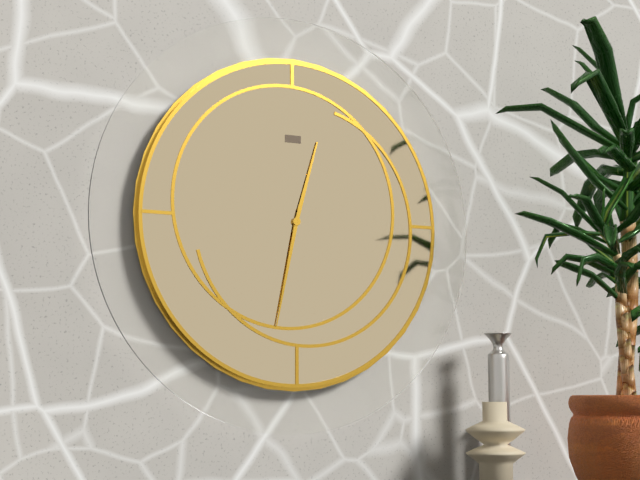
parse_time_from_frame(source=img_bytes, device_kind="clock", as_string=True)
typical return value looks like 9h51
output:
12h32
